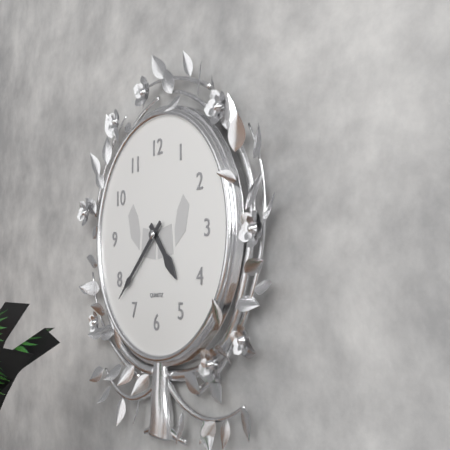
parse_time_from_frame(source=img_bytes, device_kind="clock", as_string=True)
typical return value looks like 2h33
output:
4h38
